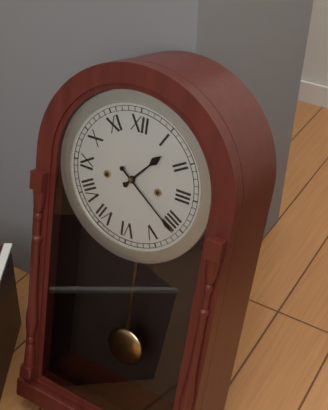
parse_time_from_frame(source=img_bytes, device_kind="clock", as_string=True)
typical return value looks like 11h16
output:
1h21
